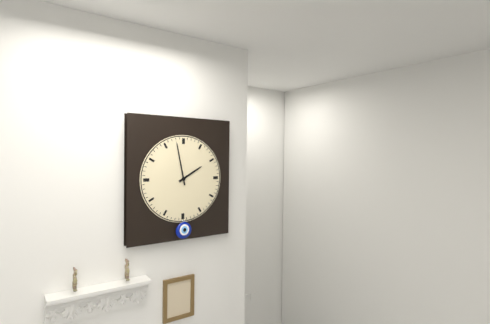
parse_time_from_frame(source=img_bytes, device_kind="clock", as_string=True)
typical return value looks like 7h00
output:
1h58
